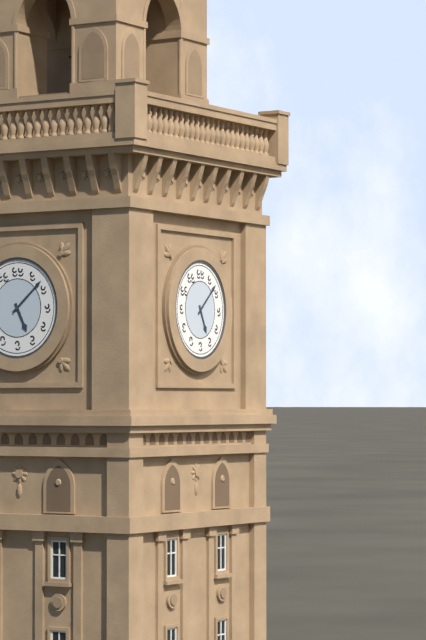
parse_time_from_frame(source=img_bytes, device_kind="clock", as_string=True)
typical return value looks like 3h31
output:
5h08
